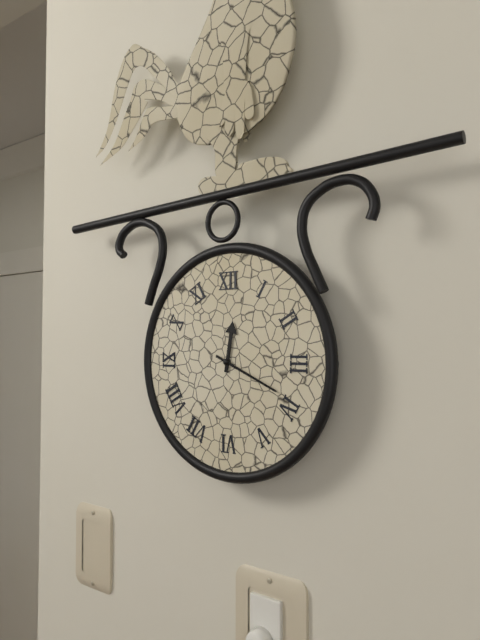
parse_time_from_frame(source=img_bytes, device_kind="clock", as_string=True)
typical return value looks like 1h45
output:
12h19
